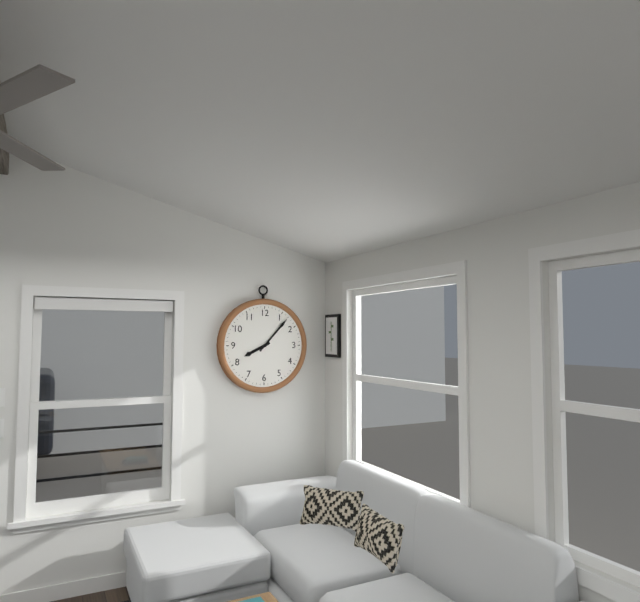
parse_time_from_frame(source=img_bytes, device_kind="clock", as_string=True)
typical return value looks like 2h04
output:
8h07
